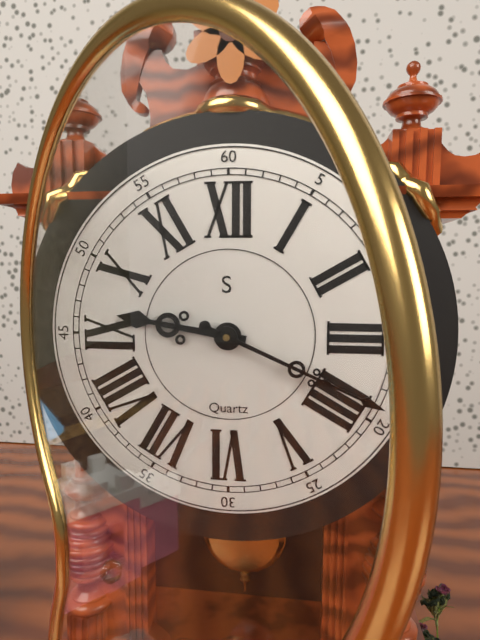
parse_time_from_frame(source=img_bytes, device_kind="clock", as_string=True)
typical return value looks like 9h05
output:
9h19
